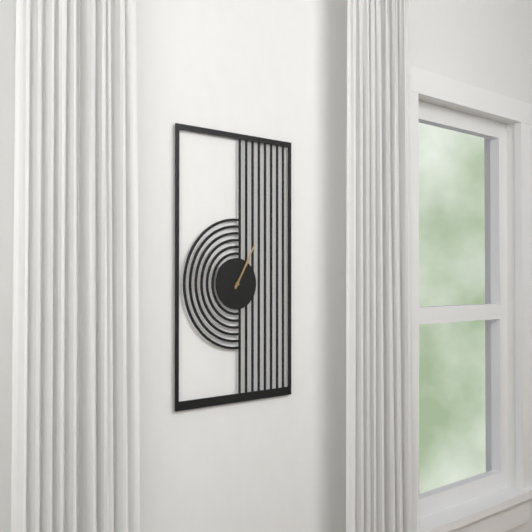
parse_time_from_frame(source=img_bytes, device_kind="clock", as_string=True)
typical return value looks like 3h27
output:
1h05
